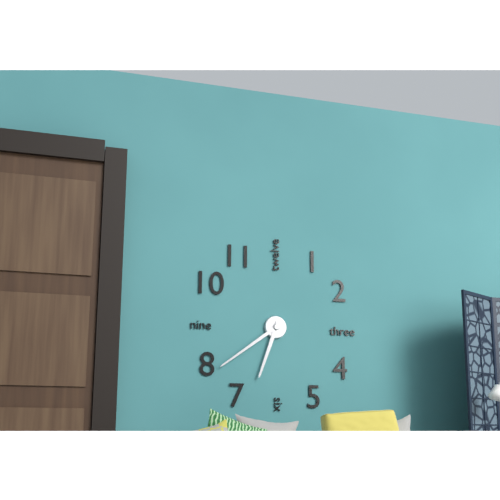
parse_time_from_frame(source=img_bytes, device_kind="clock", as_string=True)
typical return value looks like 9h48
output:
6h39
